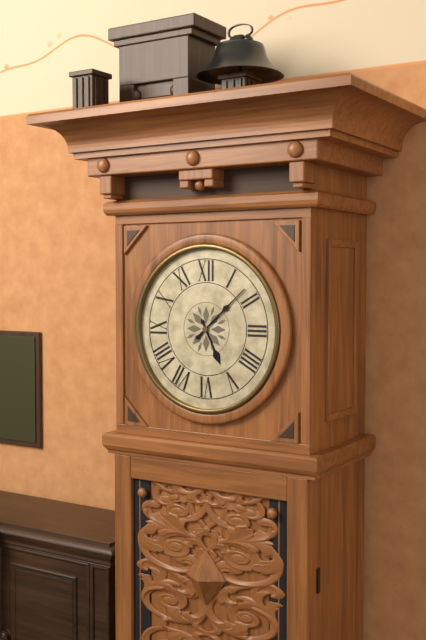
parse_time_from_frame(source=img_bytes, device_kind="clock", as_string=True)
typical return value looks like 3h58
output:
5h08
